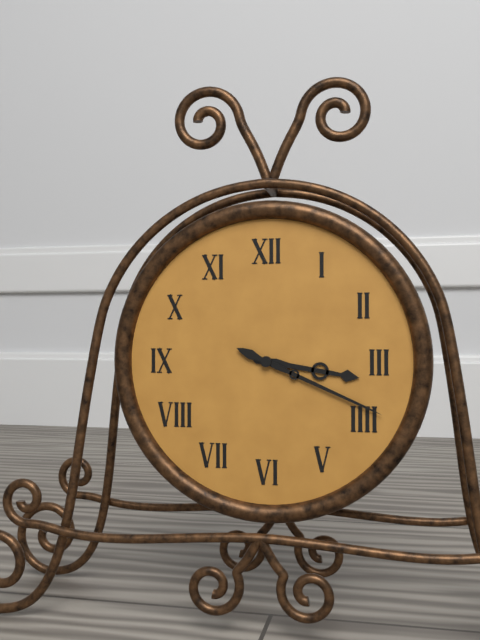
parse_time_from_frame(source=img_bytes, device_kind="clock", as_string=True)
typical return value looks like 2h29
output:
3h19
